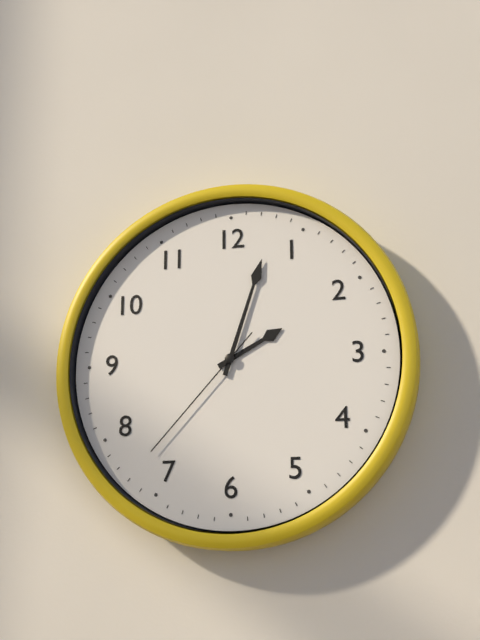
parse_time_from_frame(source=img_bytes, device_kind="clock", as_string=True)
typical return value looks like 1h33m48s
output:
2h03m37s
